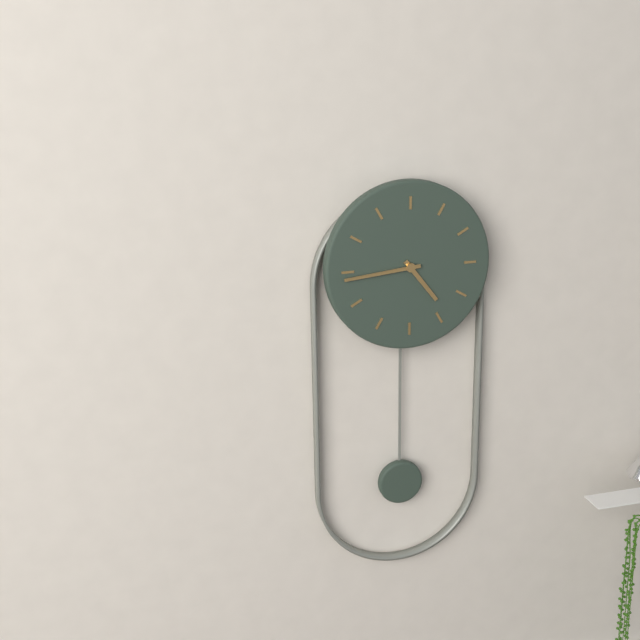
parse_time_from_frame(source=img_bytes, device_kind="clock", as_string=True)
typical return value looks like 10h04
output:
4h44
